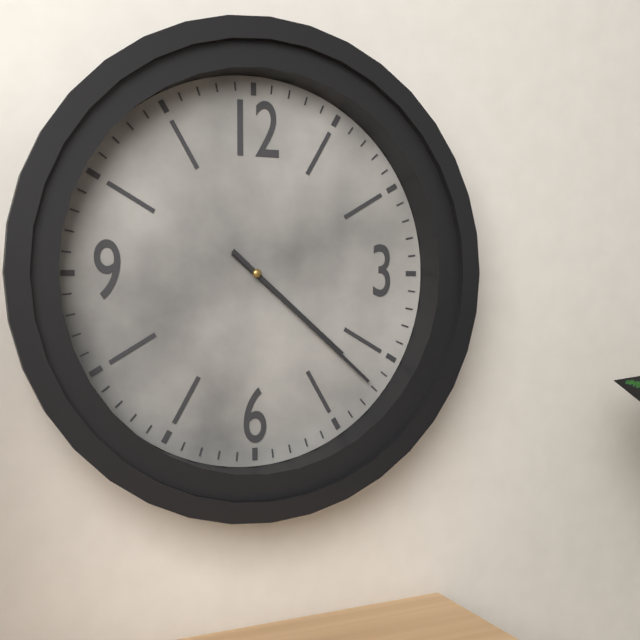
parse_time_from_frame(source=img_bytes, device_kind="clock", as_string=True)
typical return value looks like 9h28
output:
4h22
